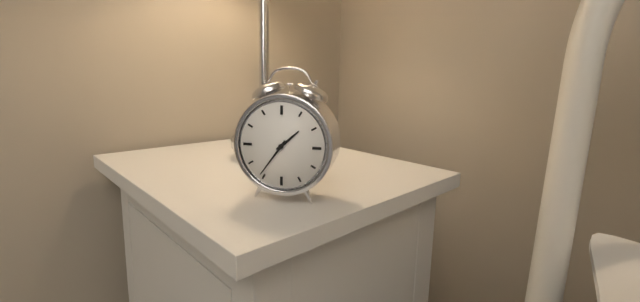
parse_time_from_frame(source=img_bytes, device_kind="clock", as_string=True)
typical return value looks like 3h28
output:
1h36
